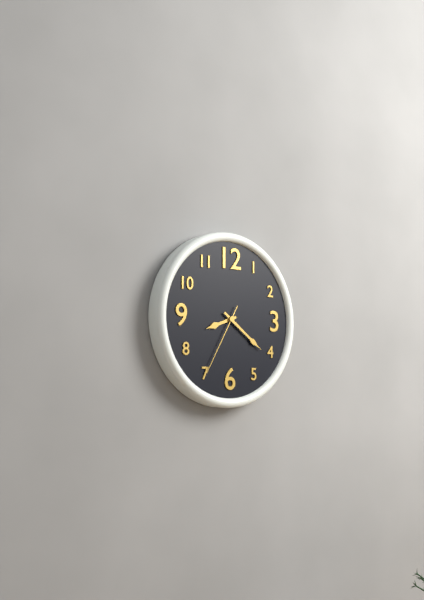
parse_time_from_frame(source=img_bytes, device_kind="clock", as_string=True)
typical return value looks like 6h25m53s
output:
8h21m35s
